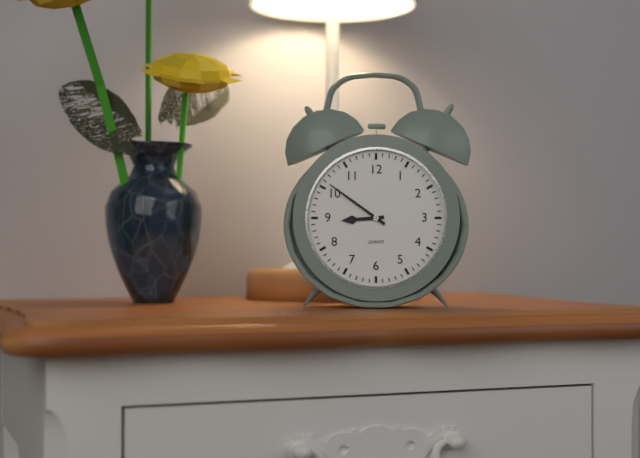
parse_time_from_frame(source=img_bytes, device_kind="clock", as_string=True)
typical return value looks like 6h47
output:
8h51
